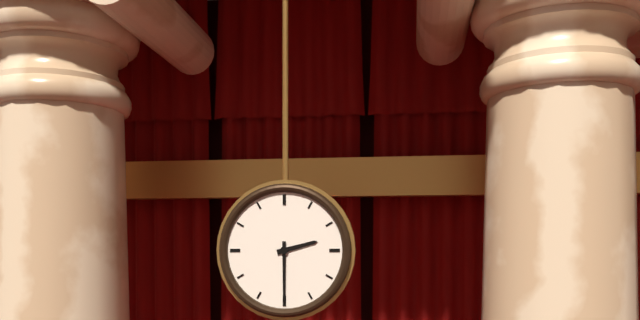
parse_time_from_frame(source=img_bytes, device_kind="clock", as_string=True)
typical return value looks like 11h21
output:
2h30
